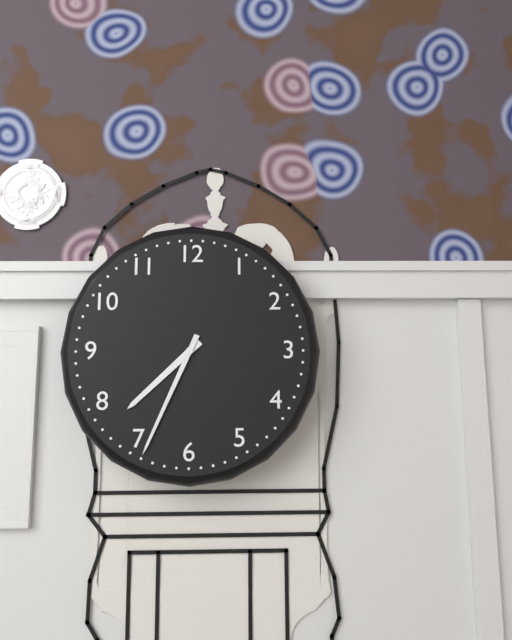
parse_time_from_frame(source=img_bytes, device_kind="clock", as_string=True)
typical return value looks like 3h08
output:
7h34
